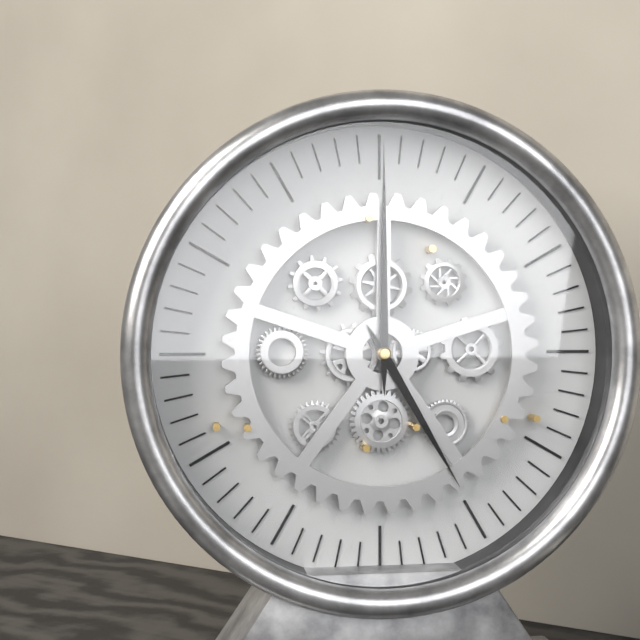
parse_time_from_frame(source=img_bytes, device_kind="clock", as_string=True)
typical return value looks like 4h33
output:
5h00
